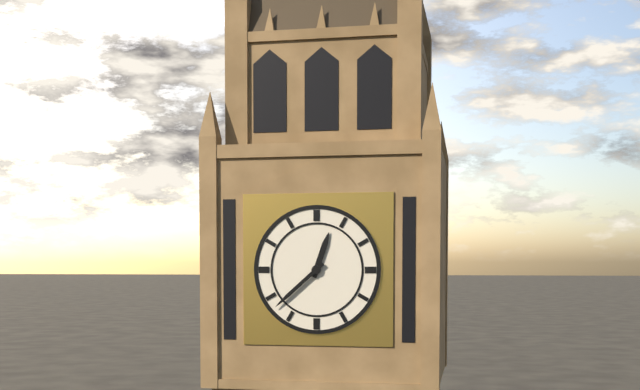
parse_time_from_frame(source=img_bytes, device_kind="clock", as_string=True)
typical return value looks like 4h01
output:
12h38
